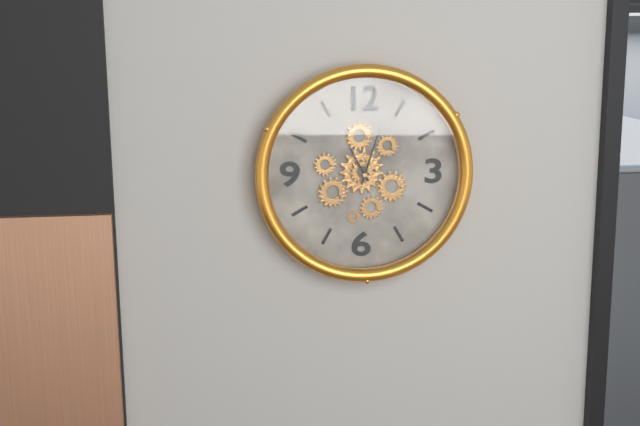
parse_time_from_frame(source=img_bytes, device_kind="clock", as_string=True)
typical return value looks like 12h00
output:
11h03
